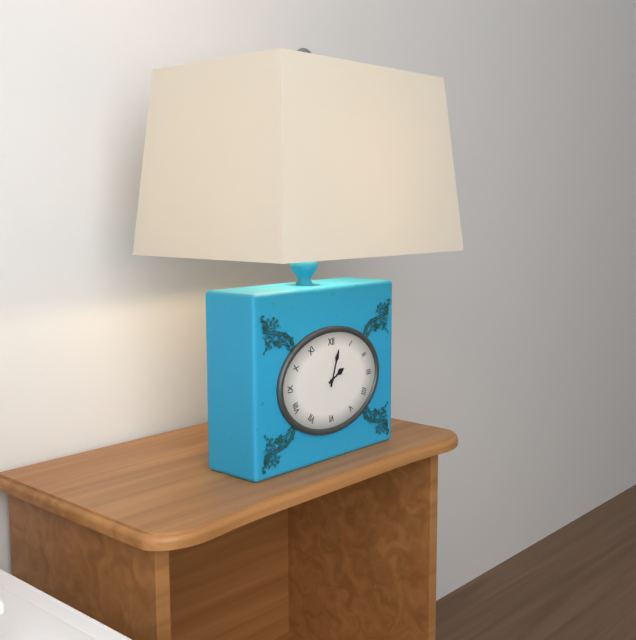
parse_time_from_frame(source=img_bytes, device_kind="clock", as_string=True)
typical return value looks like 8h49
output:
2h03
